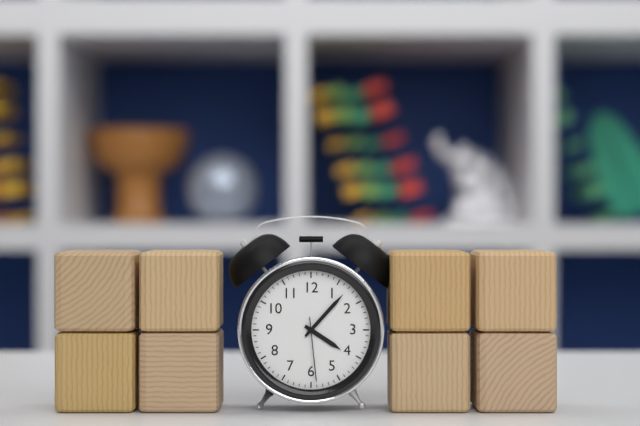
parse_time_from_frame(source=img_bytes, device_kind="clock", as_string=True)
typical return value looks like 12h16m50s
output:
4h07m29s
